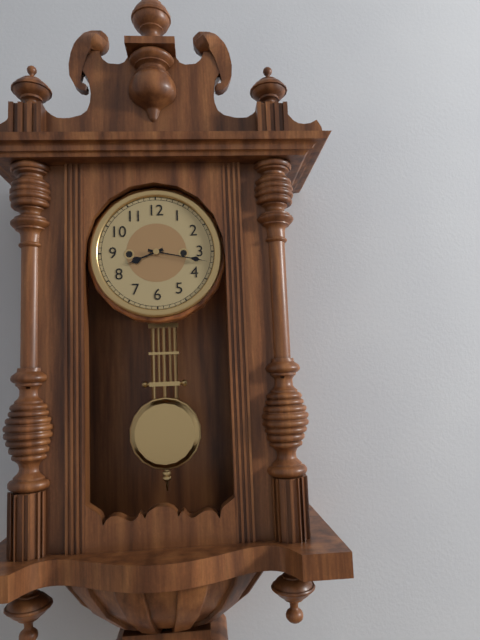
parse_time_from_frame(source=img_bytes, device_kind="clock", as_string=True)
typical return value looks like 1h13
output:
8h17
